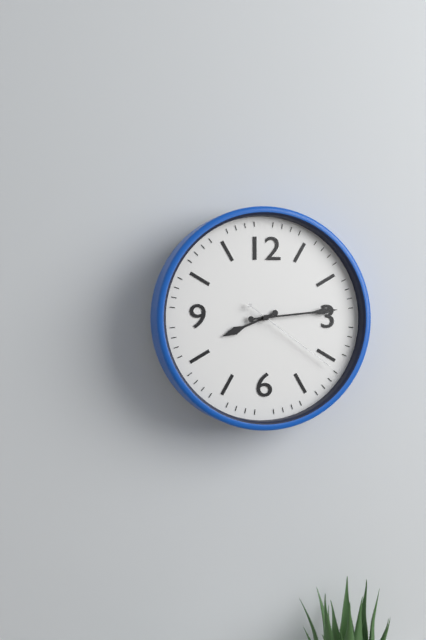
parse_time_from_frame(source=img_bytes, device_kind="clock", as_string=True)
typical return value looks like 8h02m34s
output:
8h14m21s
